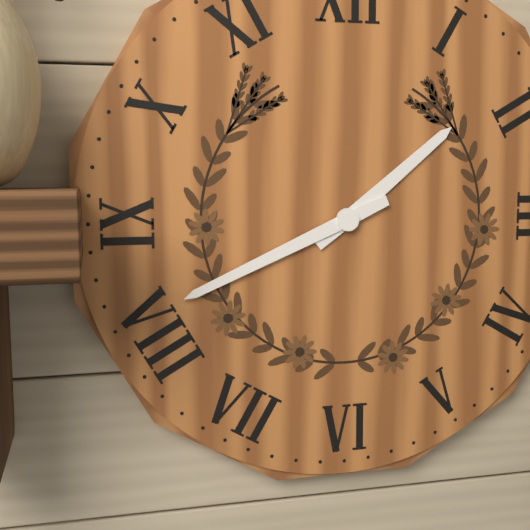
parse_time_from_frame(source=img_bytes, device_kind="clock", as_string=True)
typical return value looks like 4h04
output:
1h41
